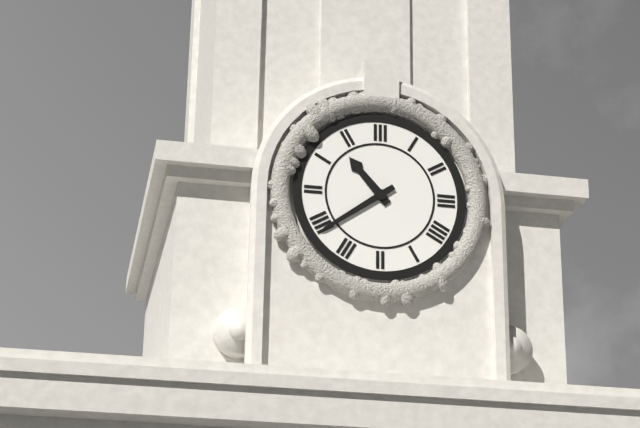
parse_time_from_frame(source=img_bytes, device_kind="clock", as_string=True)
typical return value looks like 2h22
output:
10h39
